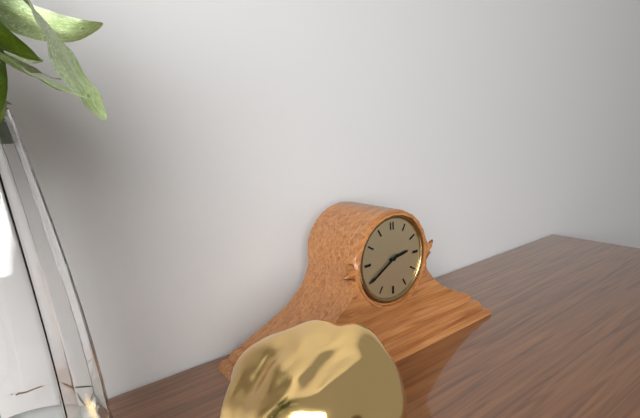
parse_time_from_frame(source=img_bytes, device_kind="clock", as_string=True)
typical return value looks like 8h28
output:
2h40
